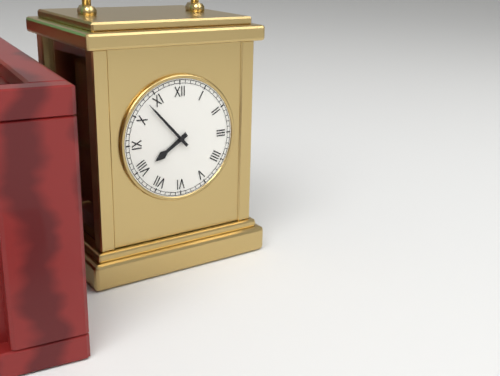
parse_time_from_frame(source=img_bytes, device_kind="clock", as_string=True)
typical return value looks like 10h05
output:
7h53
